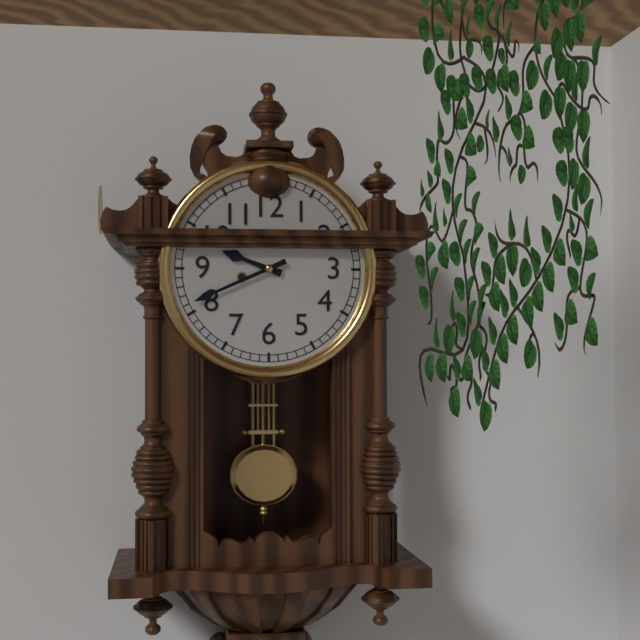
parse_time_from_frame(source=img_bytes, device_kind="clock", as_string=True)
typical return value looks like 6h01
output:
9h41
